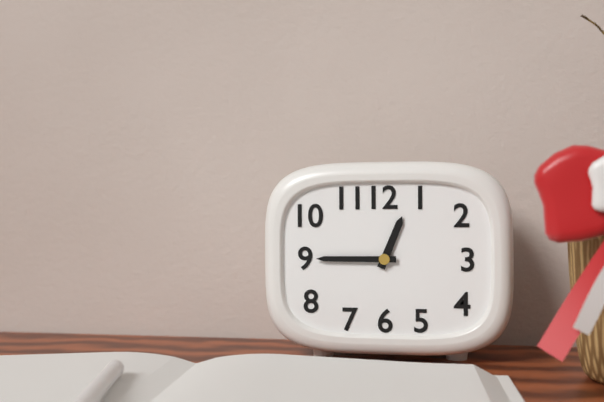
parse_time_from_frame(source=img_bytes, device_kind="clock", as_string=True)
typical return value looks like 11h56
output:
12h45
